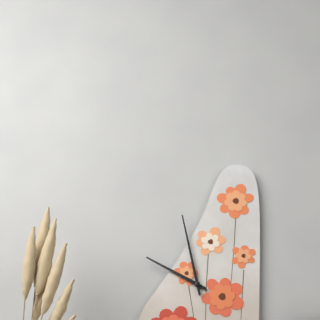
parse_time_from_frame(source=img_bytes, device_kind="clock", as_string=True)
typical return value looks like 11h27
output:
9h58
